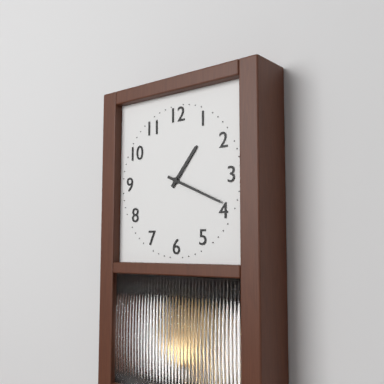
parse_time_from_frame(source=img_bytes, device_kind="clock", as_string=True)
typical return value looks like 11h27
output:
1h19
